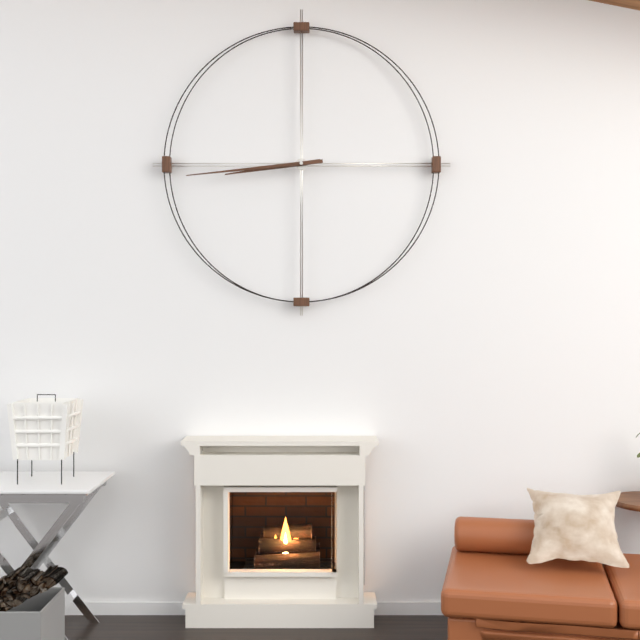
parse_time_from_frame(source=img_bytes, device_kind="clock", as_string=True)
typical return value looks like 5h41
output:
8h44
